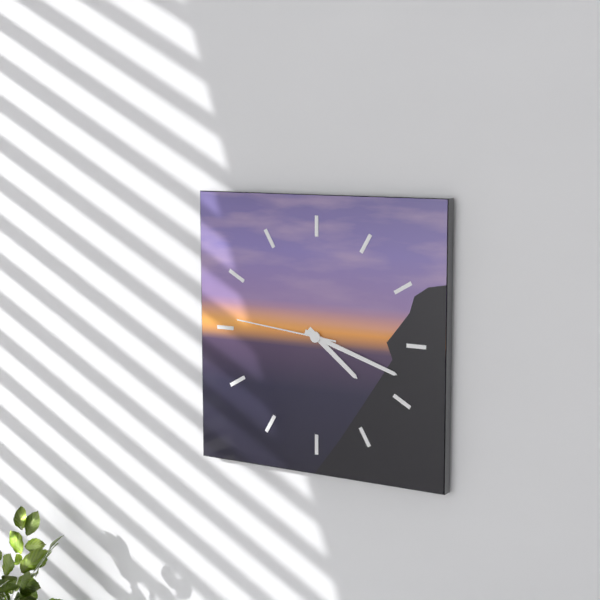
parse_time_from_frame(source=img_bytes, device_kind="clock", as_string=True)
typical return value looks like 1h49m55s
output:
4h18m46s
